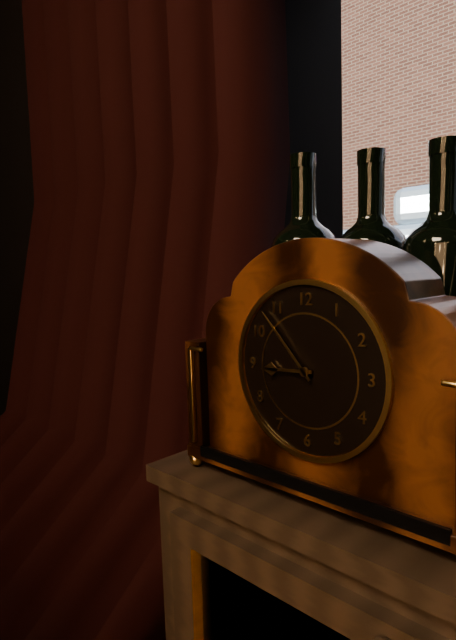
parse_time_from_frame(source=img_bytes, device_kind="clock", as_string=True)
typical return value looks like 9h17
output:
8h53
